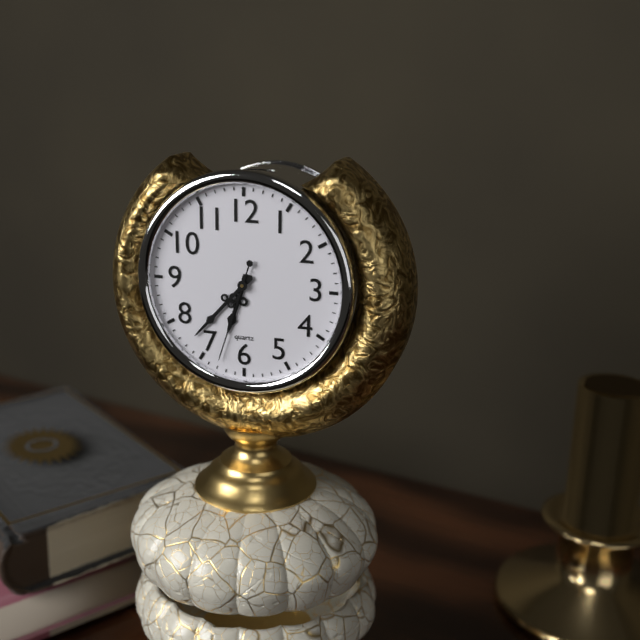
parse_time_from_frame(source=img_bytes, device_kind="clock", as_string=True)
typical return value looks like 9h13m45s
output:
6h37m33s
